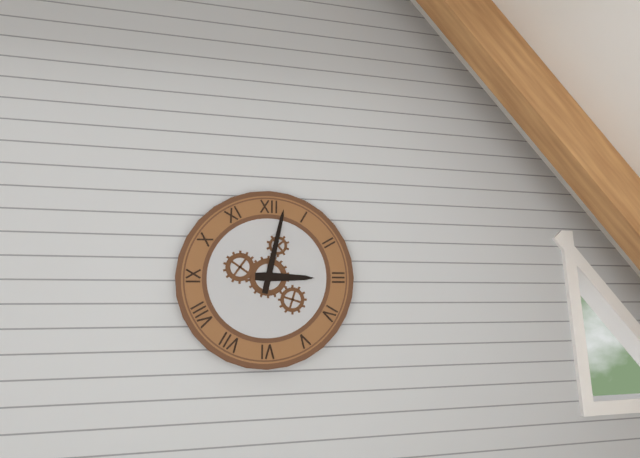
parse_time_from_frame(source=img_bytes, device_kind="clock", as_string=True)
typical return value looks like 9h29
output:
3h02
